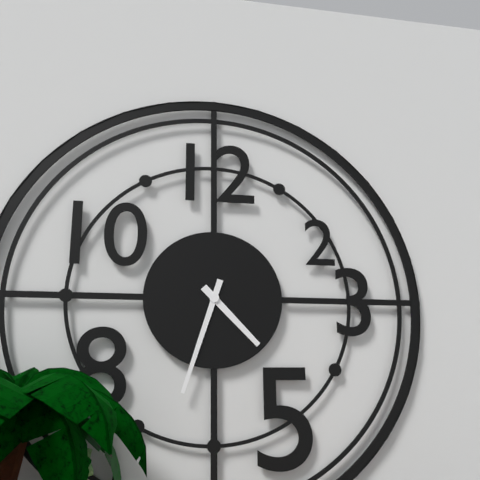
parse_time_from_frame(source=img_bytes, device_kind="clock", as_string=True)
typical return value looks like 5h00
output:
4h33
